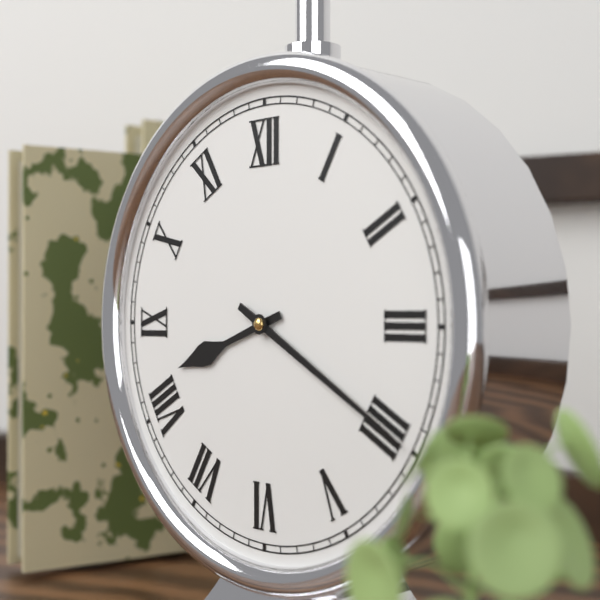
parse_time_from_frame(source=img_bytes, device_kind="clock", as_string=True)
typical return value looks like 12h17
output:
8h20
